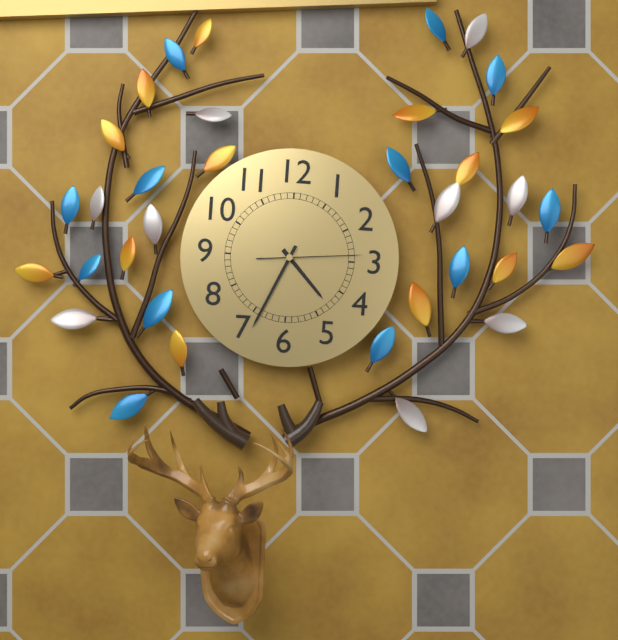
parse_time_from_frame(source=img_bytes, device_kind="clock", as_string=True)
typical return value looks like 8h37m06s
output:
4h34m14s
